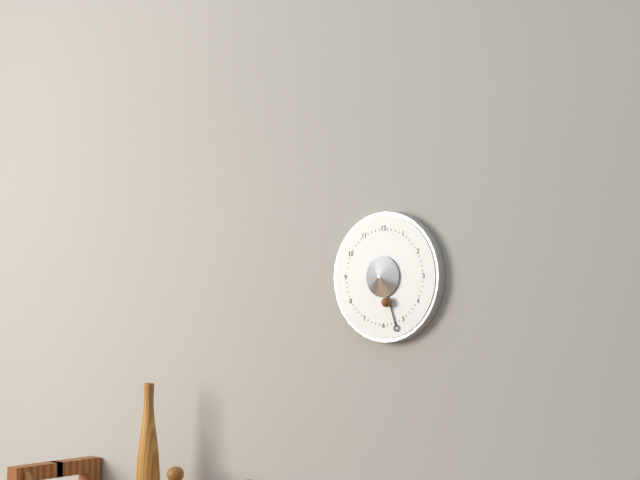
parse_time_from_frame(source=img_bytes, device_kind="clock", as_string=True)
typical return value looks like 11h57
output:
5h27
